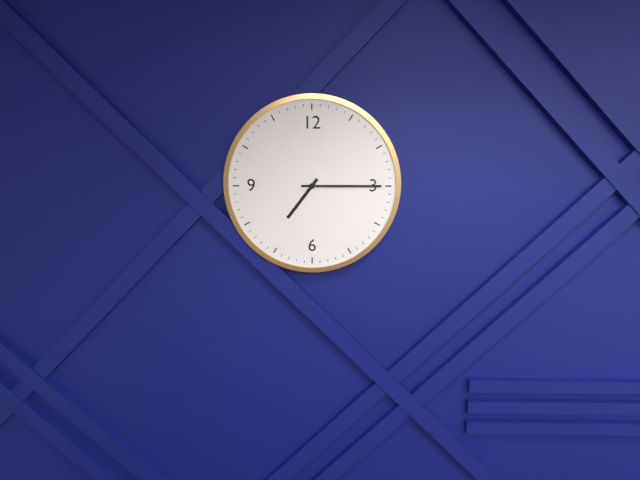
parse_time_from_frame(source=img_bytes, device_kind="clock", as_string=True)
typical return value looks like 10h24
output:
7h15
